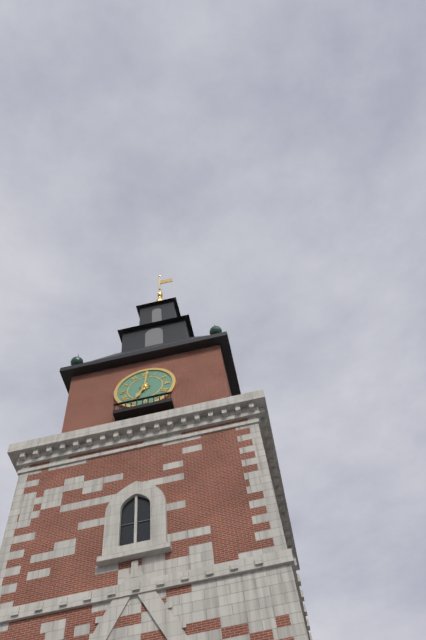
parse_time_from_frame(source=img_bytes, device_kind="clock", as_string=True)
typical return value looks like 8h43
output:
7h01
